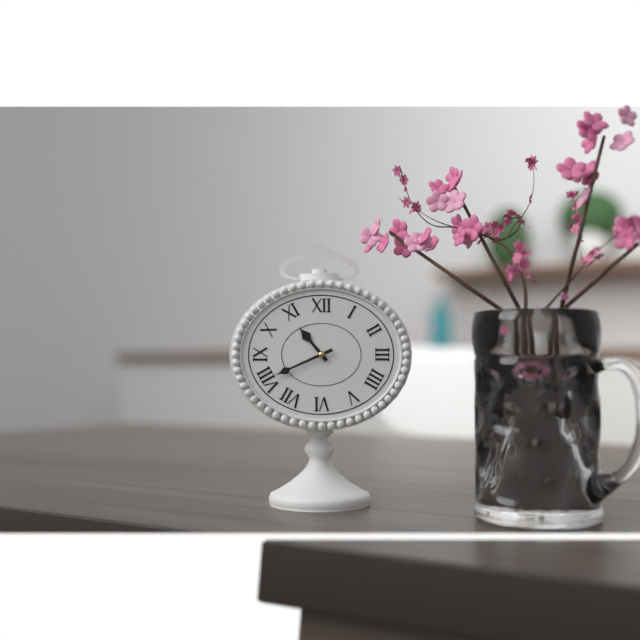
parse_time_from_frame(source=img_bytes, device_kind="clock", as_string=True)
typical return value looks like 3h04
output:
10h41
